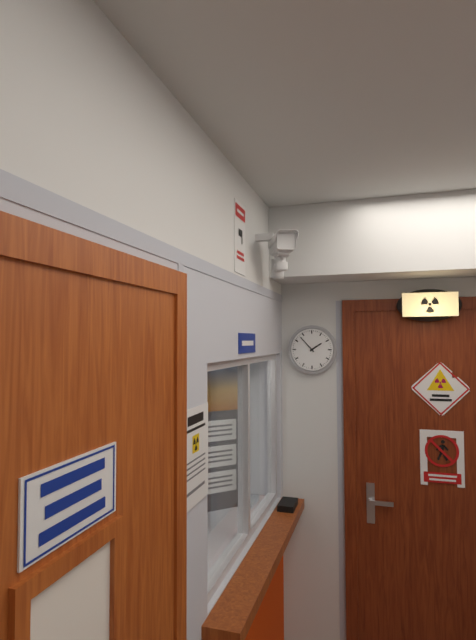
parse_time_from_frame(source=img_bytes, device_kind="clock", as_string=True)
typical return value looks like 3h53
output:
1h53
